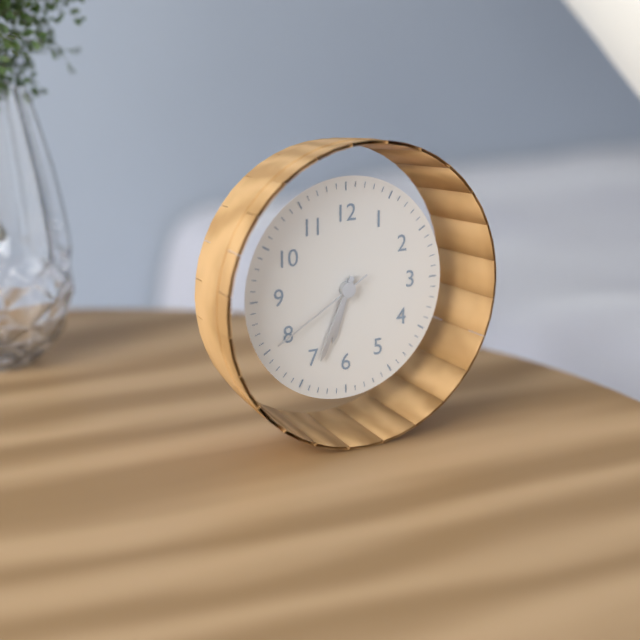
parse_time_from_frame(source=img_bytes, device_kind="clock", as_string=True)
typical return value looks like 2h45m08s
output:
6h34m40s
